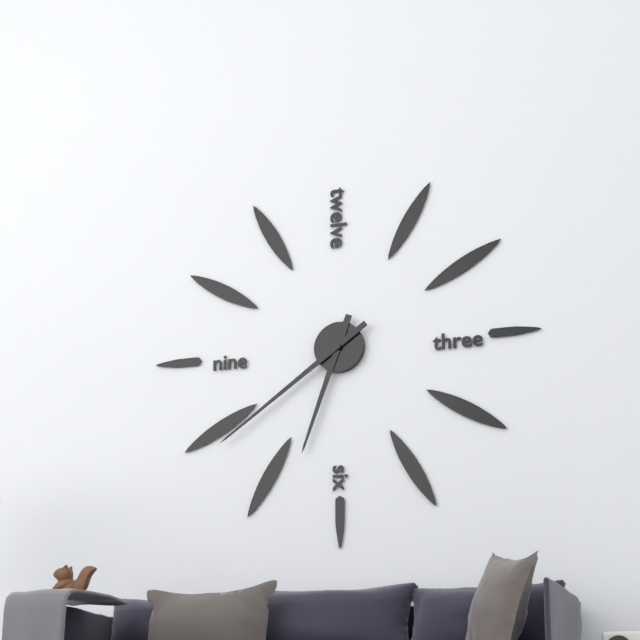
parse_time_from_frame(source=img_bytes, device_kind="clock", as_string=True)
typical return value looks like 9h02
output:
6h39
